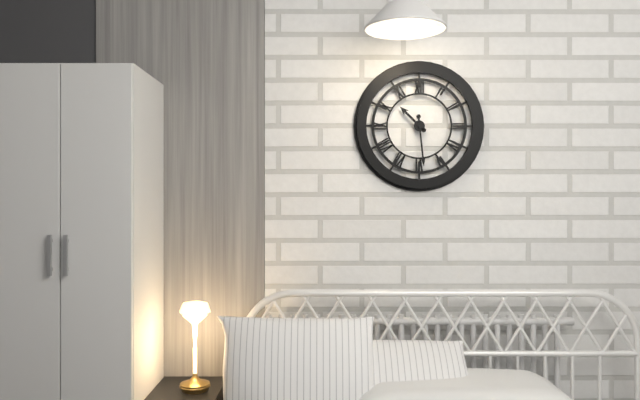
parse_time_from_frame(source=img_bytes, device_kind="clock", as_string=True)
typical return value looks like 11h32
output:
10h29
